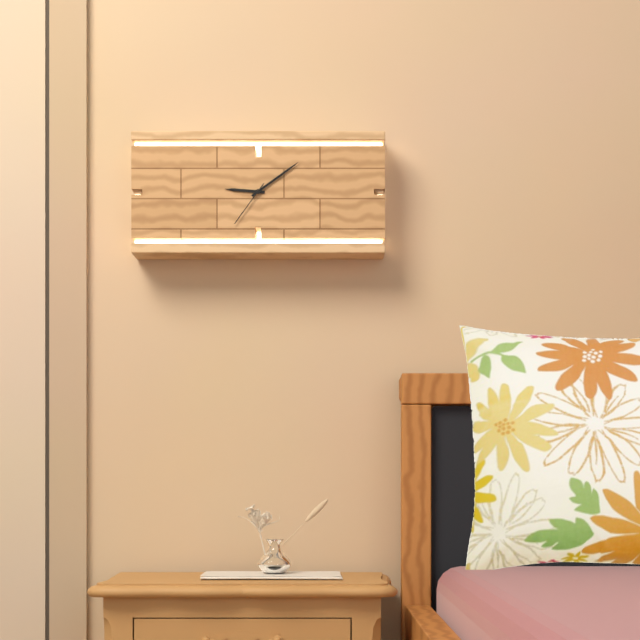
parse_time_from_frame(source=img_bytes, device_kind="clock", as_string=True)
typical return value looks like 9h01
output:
9h09
